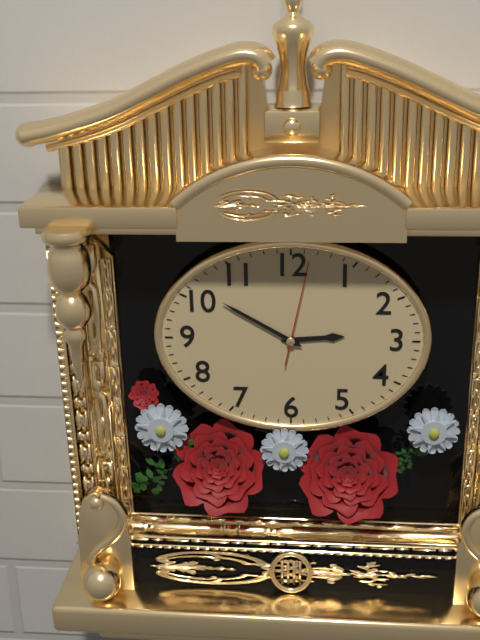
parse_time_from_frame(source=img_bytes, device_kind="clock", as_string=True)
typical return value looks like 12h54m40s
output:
2h50m02s
